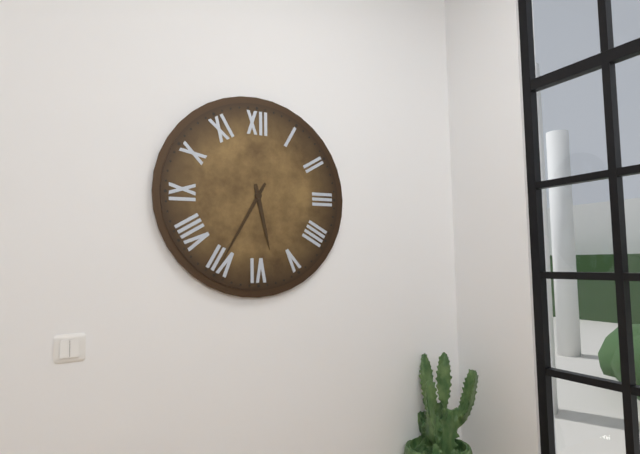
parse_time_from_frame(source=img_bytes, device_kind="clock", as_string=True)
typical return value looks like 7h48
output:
5h35
